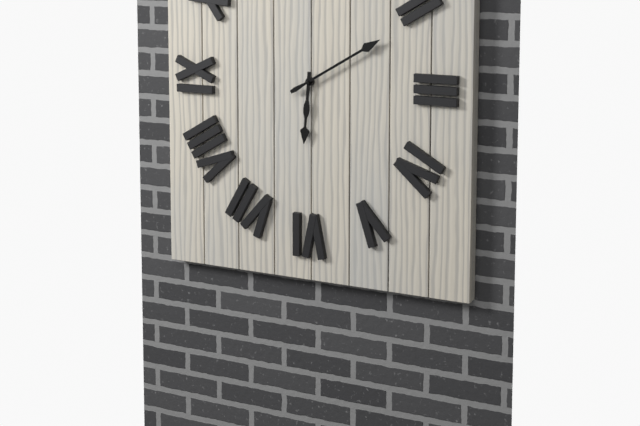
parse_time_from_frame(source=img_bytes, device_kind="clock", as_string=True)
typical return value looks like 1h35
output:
6h10
